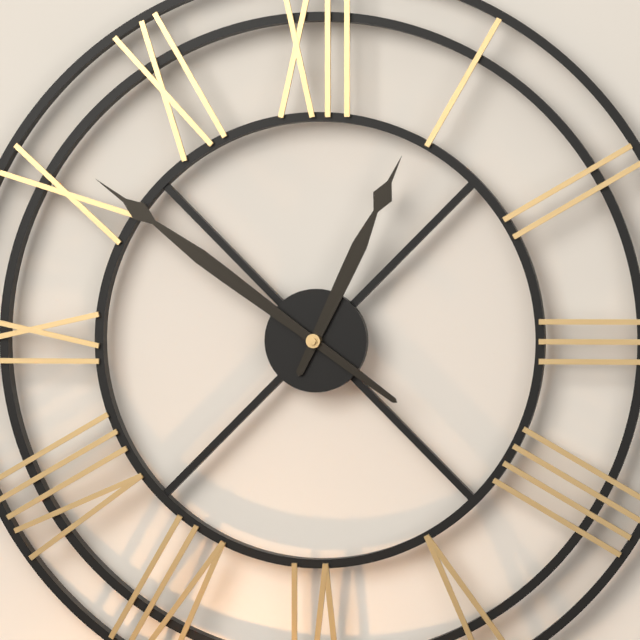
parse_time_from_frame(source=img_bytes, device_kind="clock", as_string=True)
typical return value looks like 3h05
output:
12h51
